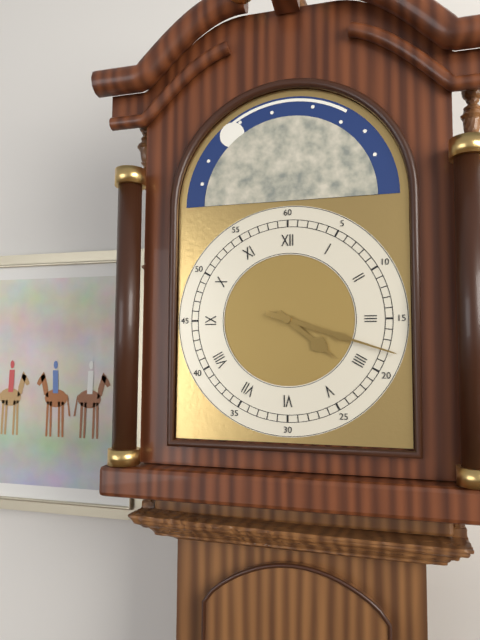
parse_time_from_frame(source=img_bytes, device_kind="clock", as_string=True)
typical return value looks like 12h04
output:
4h18
